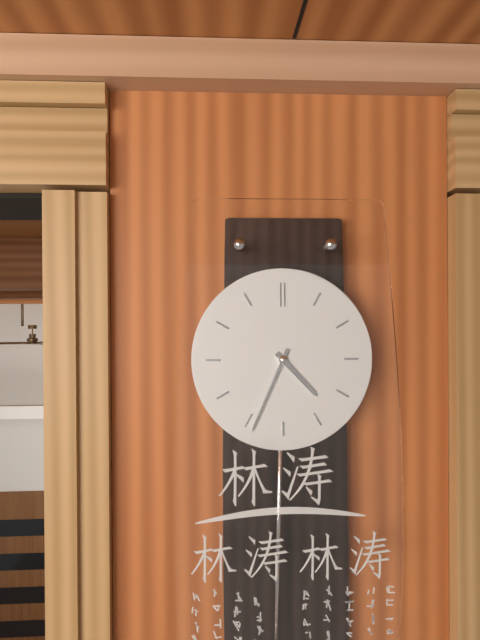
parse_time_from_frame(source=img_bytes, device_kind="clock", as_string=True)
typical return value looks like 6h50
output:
4h34
